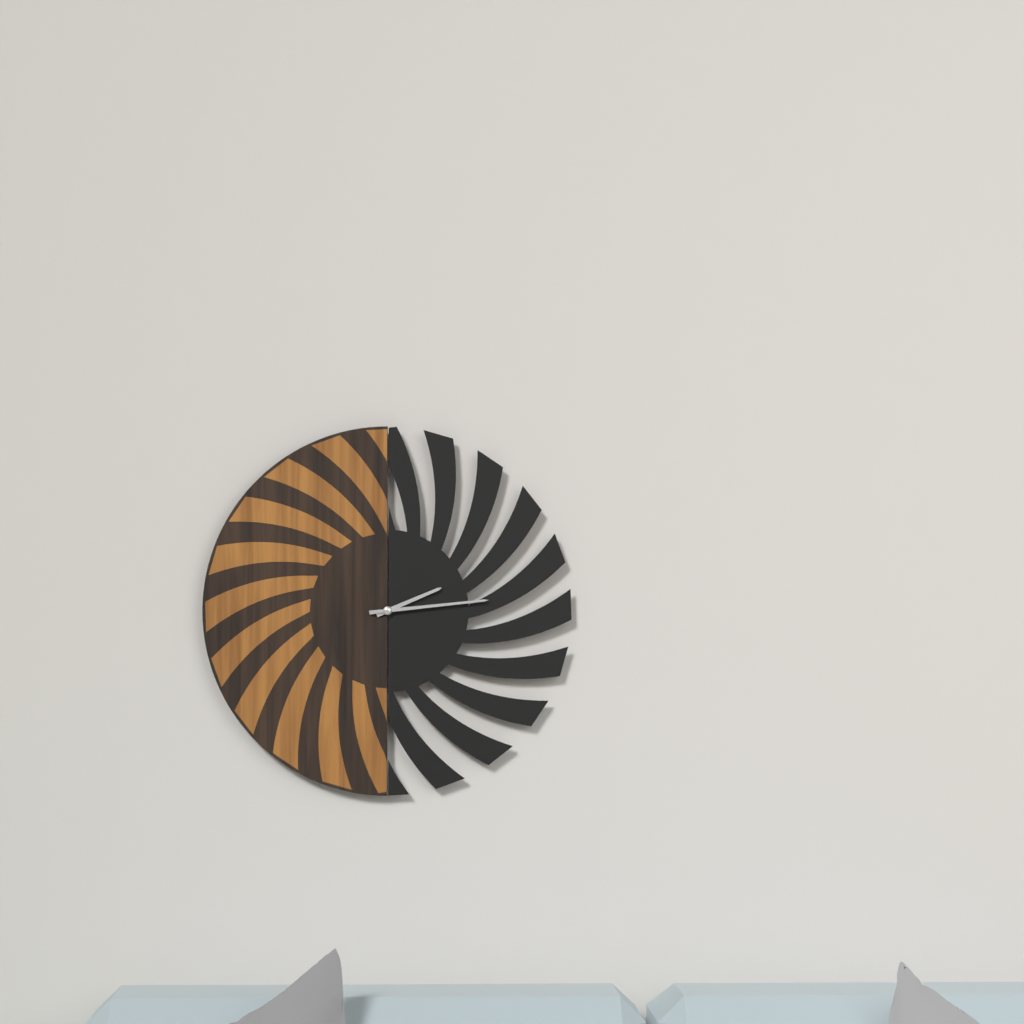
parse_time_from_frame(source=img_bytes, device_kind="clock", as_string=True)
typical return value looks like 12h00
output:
2h14
